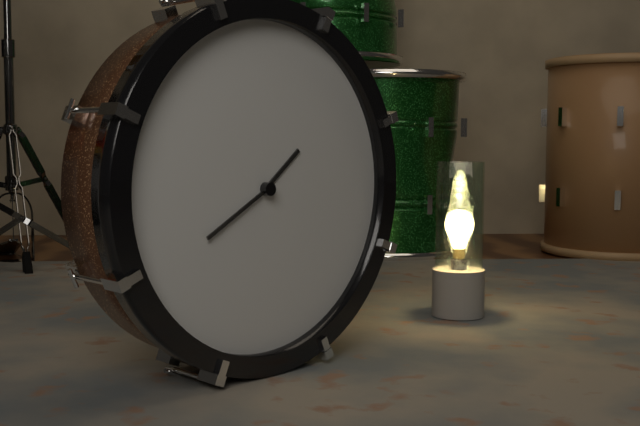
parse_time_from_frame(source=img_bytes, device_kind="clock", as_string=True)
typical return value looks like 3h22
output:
1h40
